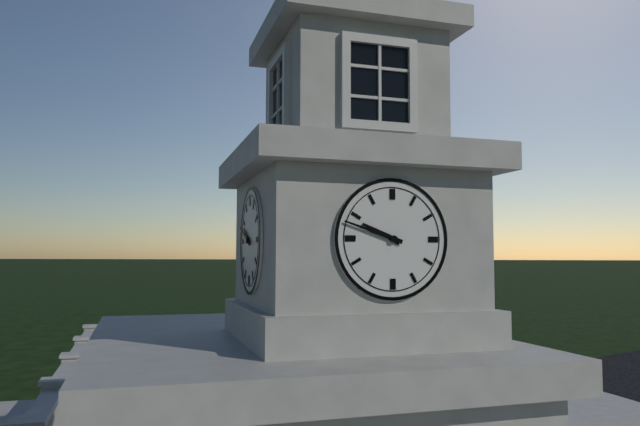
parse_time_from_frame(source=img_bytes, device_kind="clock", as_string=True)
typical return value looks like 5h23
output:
9h48
